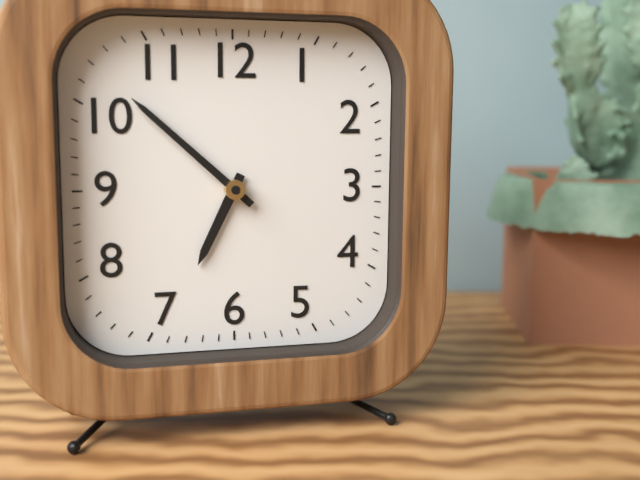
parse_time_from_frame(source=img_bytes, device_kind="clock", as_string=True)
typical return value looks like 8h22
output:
6h52
